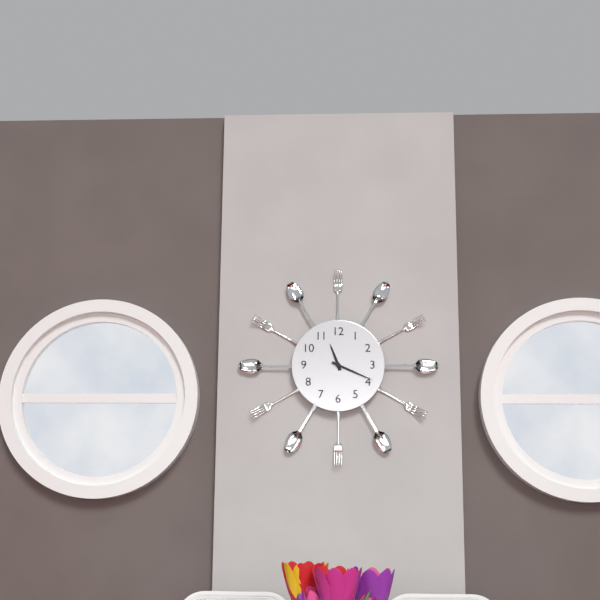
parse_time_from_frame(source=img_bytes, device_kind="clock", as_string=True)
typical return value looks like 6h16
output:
11h19
